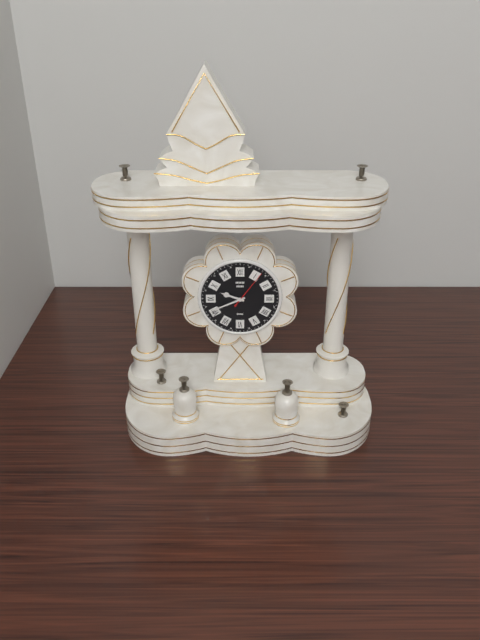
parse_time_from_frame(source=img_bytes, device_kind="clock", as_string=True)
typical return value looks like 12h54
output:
9h41
